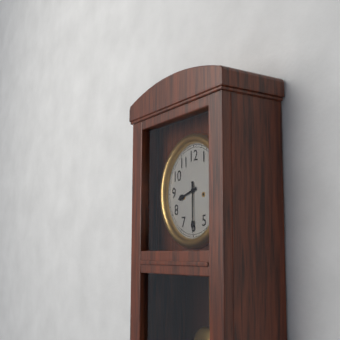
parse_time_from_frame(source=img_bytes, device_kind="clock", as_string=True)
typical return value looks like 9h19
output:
8h30
